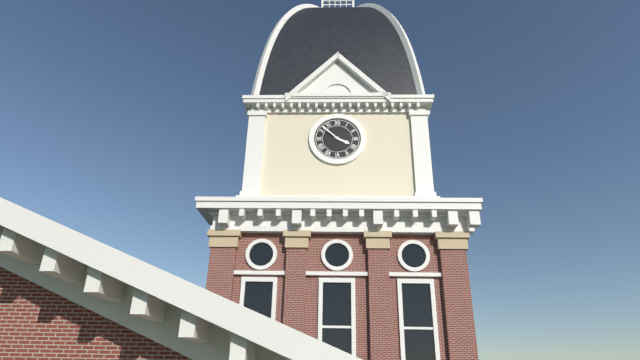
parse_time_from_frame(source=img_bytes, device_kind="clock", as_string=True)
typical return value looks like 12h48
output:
3h52
